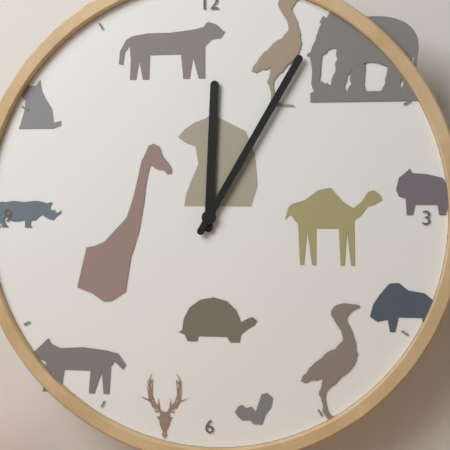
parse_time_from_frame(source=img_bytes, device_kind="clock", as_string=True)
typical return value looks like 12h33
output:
12h05
